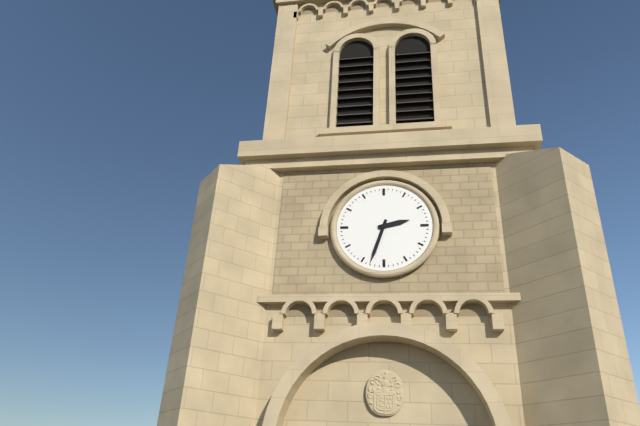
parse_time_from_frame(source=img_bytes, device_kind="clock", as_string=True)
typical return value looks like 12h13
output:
2h33
